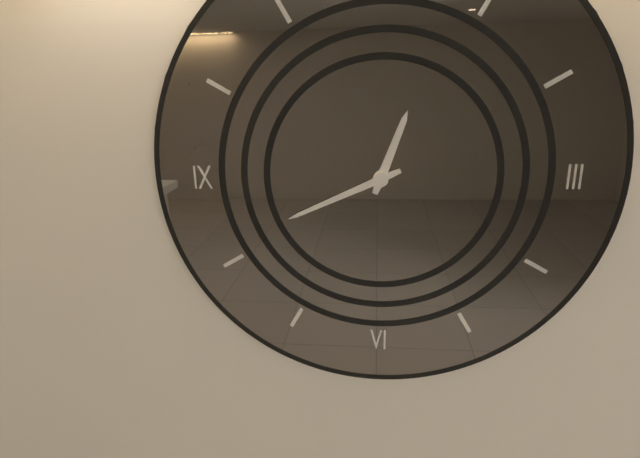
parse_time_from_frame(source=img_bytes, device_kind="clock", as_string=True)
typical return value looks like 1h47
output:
12h41
